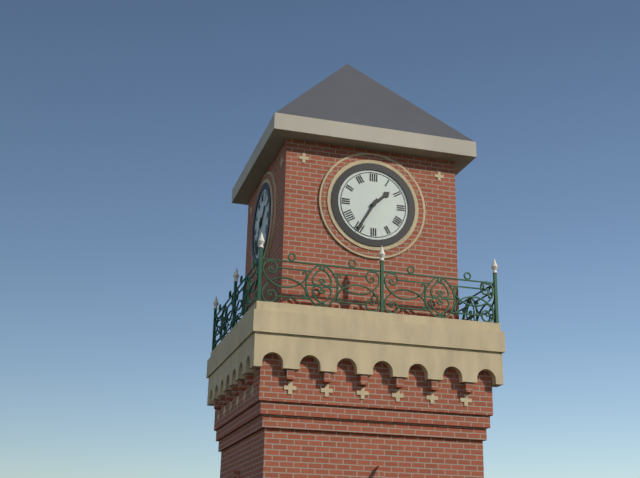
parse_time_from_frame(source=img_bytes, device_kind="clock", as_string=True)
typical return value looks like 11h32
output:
1h35
